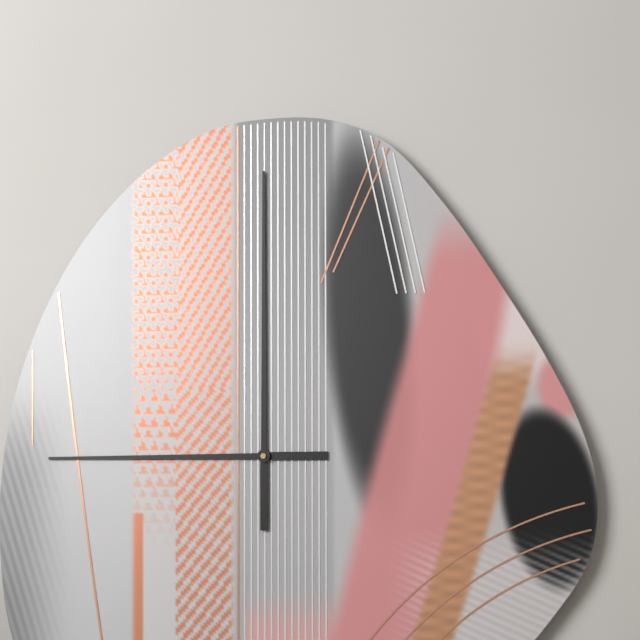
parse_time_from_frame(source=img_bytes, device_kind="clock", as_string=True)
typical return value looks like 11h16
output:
9h00
